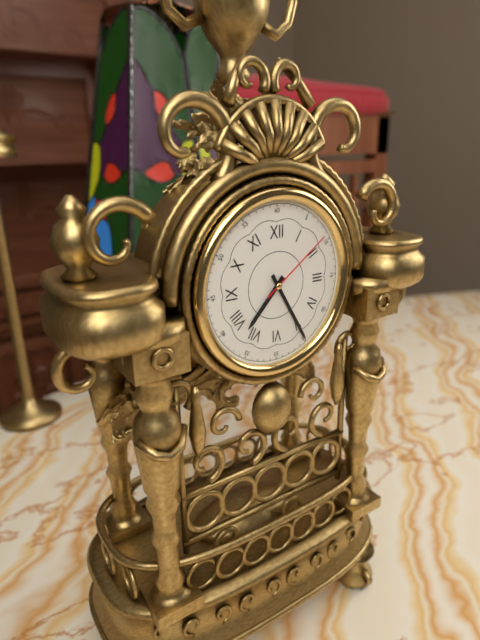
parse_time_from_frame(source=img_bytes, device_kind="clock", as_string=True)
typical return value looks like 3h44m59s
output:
7h25m09s
